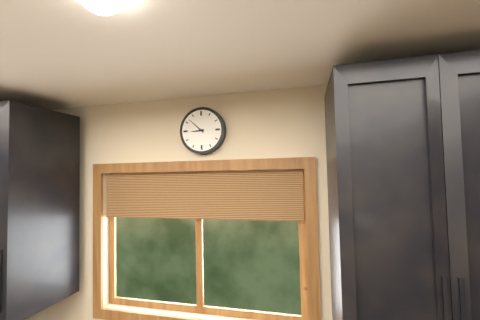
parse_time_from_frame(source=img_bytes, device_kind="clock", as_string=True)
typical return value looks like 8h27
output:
8h52
